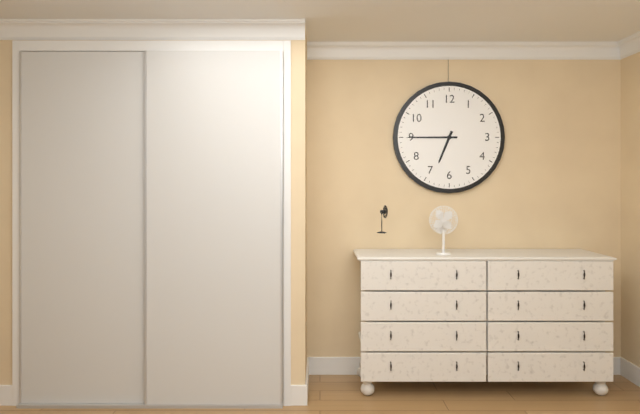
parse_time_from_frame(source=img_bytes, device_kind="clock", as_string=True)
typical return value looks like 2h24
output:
6h45
